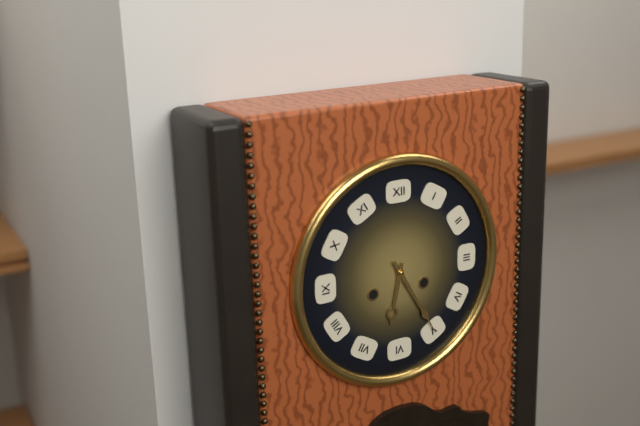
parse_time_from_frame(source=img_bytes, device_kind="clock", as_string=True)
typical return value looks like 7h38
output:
6h25
